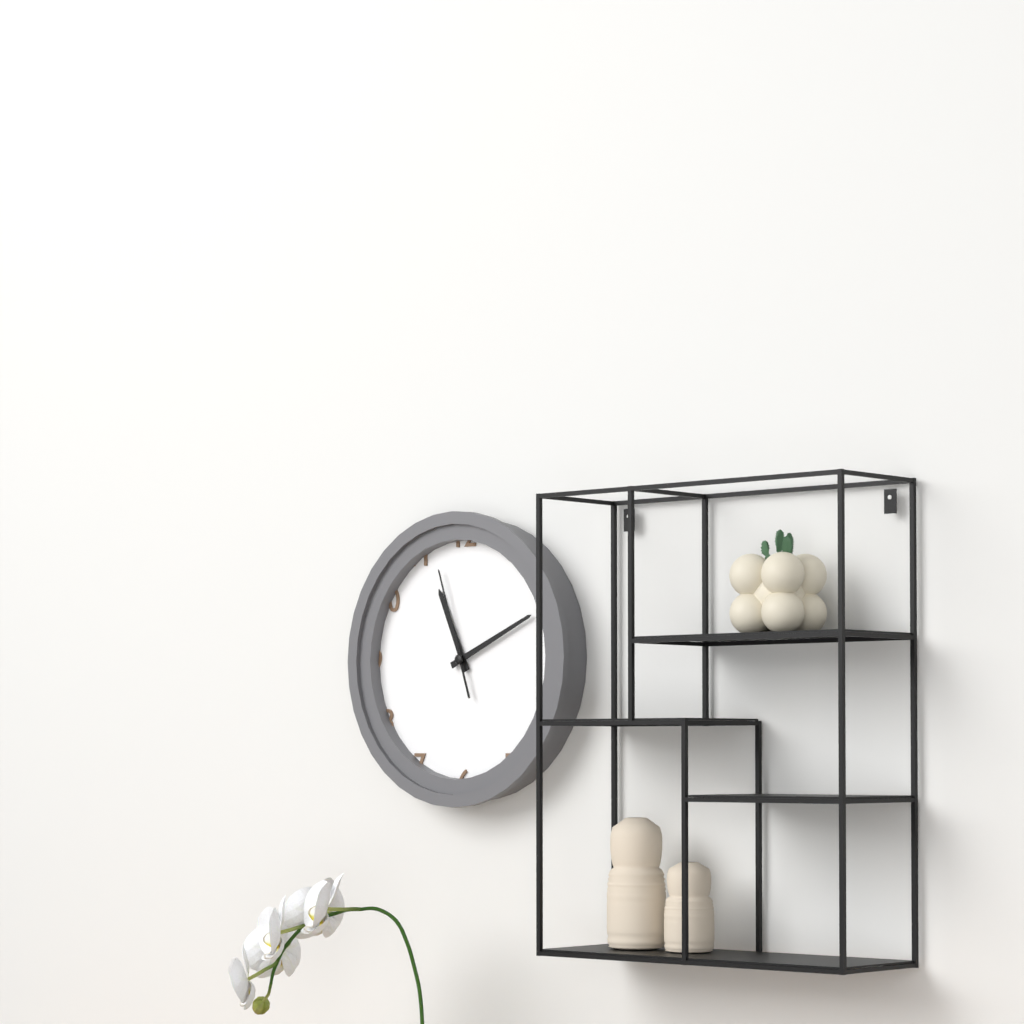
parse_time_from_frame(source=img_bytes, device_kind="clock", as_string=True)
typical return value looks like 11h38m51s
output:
11h11m57s
